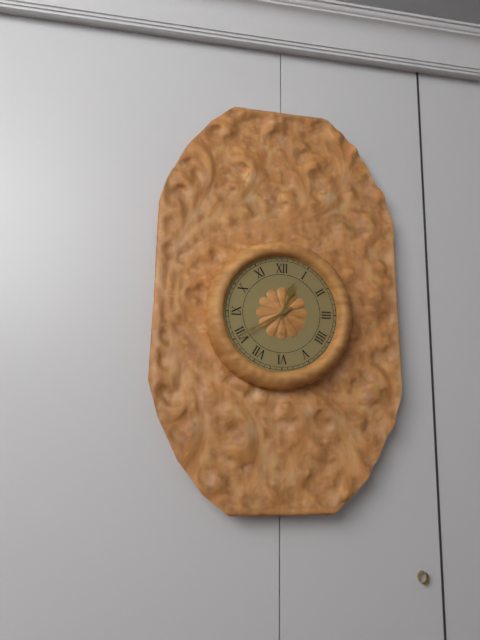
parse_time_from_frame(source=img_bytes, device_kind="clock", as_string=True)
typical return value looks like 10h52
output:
12h40
